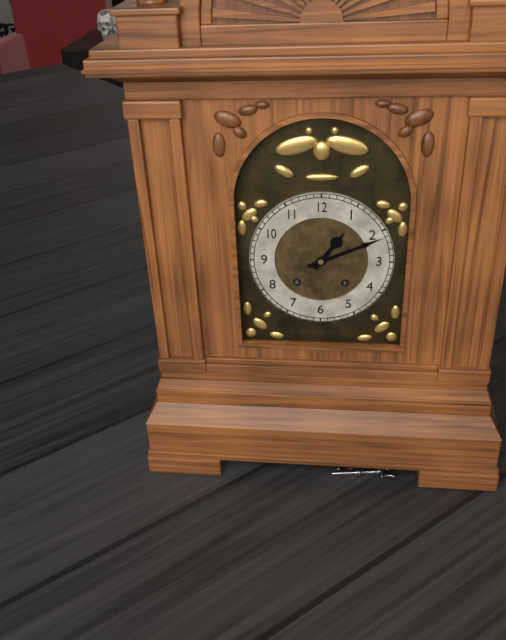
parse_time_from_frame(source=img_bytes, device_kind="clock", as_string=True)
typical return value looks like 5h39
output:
1h11
